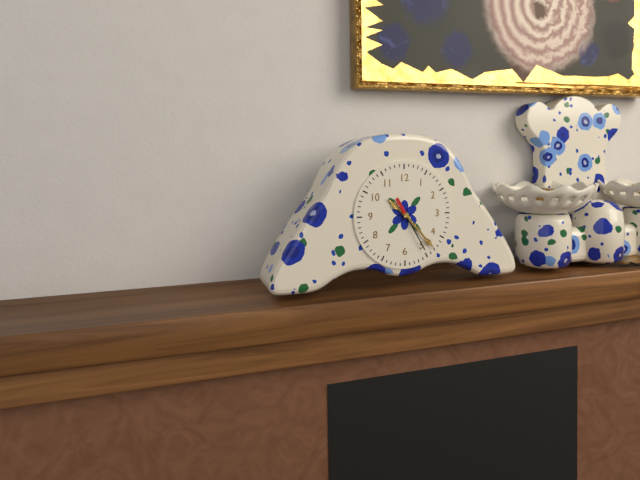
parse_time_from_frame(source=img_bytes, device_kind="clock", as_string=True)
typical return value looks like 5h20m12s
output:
10h23m25s
